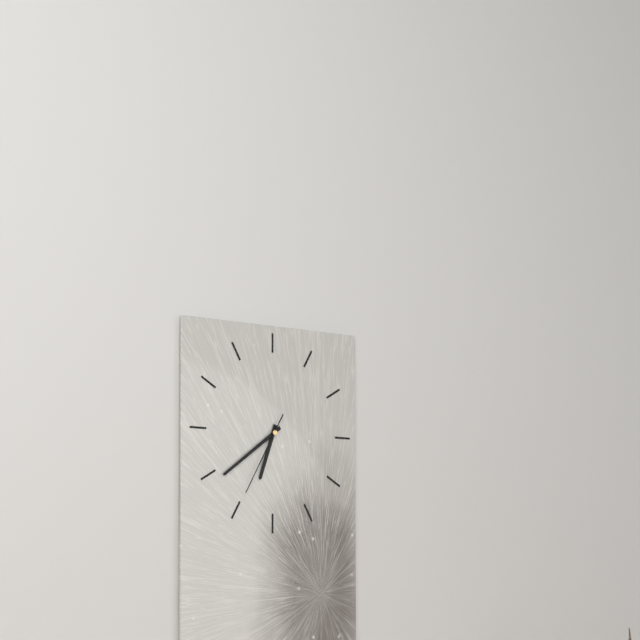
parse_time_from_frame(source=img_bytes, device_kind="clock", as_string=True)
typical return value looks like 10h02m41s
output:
6h39m35s
